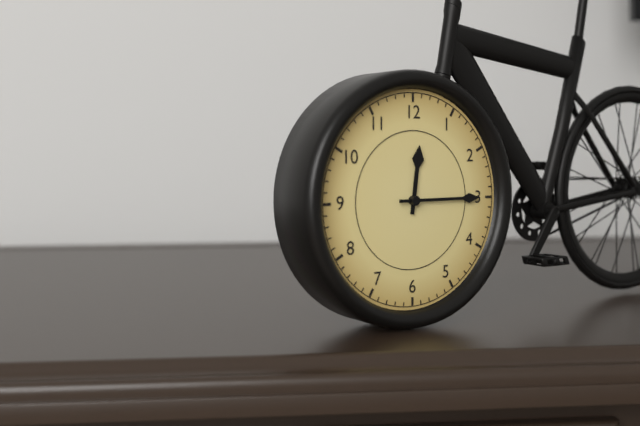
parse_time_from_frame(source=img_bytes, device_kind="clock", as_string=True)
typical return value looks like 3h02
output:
12h15
